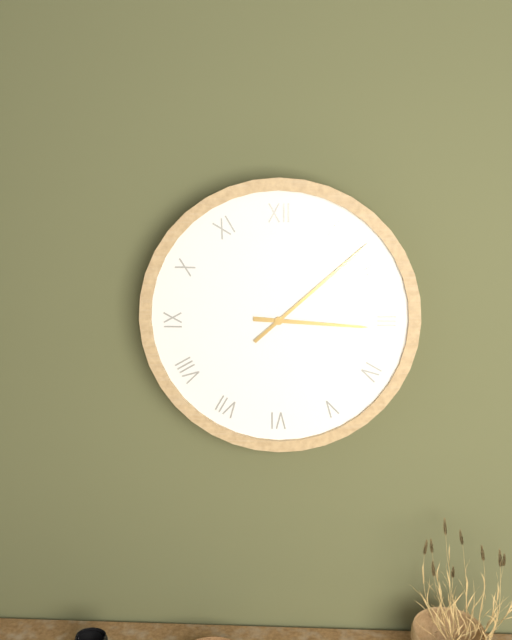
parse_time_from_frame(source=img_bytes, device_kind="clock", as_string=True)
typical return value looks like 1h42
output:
3h08
